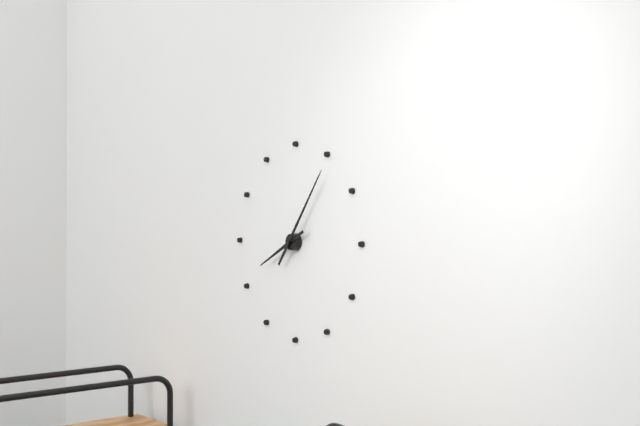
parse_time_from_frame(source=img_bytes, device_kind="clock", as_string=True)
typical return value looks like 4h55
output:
8h06
